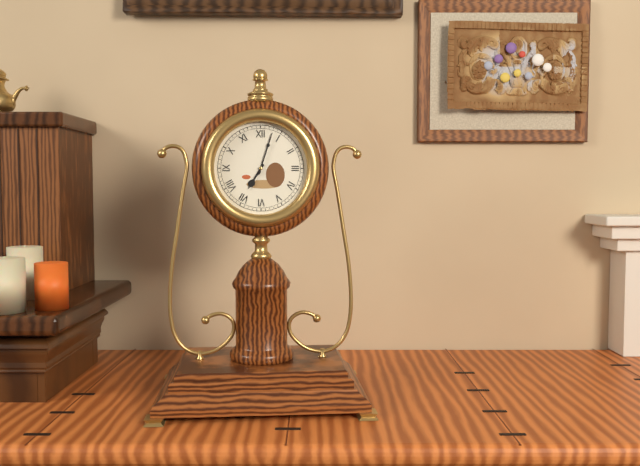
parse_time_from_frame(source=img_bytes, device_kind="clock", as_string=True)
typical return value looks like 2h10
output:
7h03
